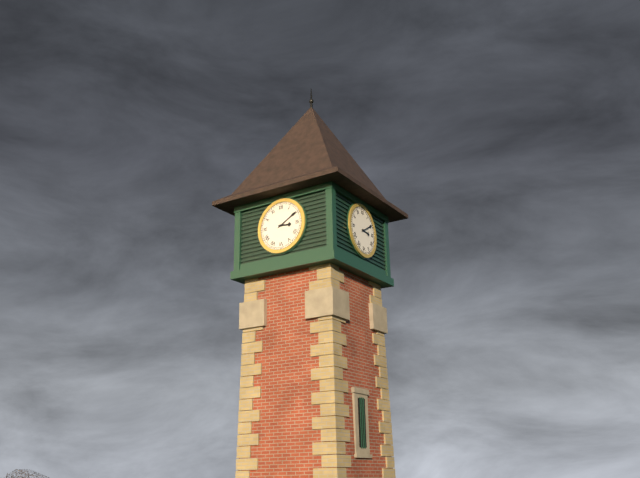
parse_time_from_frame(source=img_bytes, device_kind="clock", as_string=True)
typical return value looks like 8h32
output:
3h10
